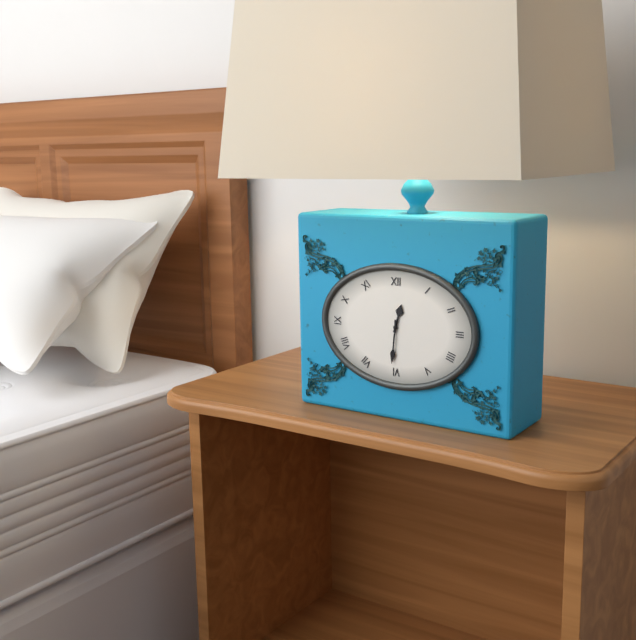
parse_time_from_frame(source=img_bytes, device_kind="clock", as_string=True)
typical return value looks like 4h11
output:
12h31
